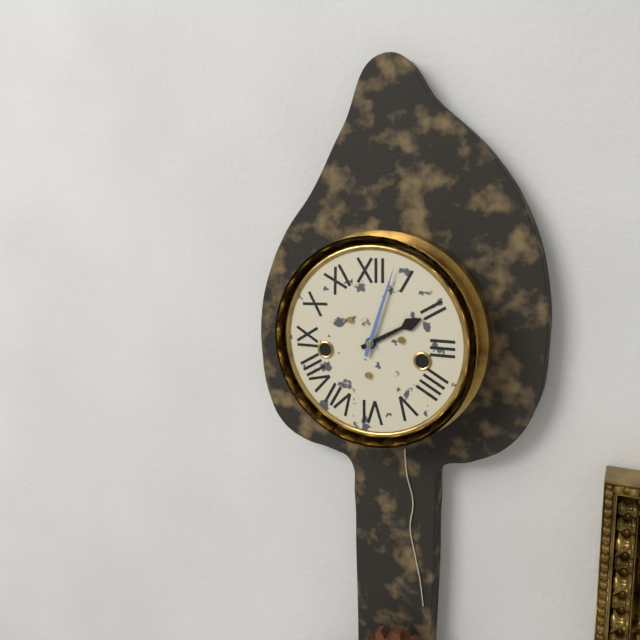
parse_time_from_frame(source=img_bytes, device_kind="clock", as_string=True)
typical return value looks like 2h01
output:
2h03
